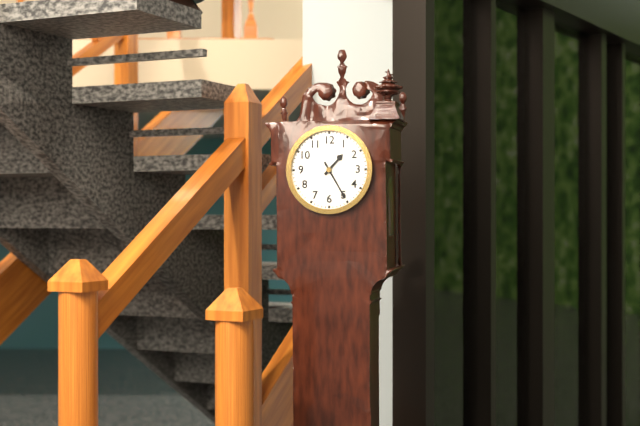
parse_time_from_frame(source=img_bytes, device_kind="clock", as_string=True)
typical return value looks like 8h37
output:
1h25
